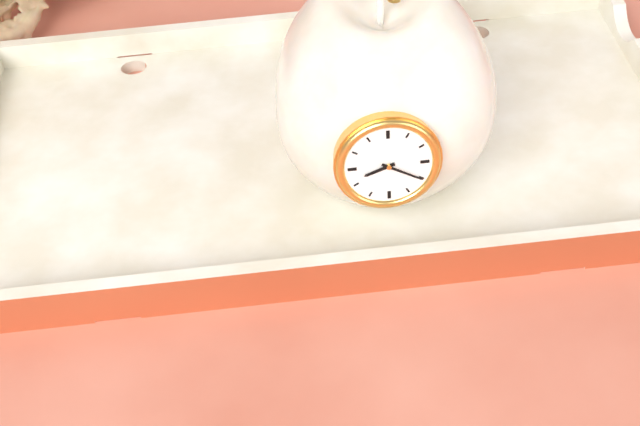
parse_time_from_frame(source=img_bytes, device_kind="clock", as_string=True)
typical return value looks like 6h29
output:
8h20
